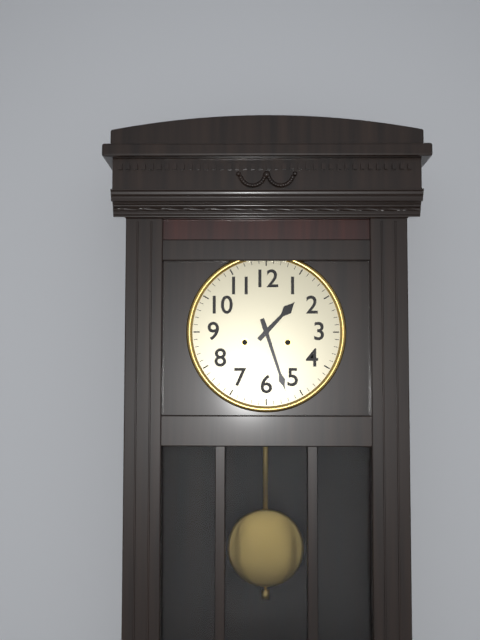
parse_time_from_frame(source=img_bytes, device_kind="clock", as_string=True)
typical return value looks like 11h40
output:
1h27
